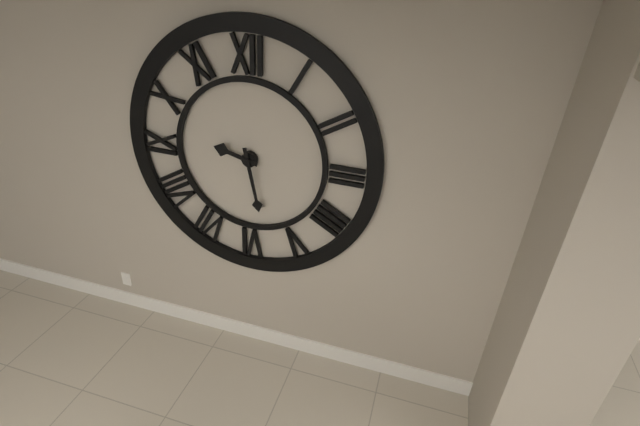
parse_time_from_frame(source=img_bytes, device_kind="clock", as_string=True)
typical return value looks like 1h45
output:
9h28
